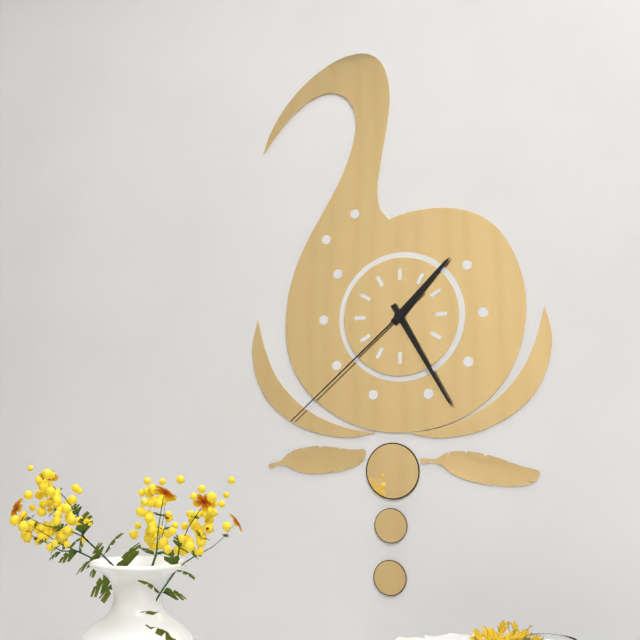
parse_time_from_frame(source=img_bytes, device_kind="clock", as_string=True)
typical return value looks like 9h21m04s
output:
1h25m38s
